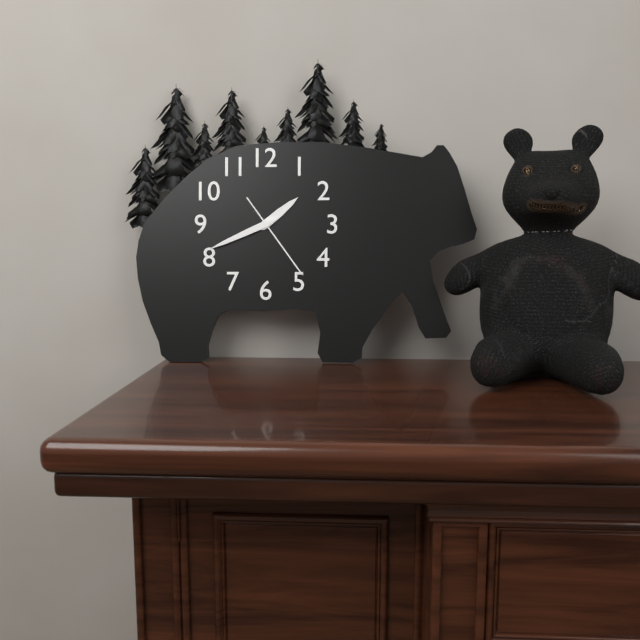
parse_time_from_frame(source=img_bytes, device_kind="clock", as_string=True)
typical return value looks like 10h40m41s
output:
1h41m24s
